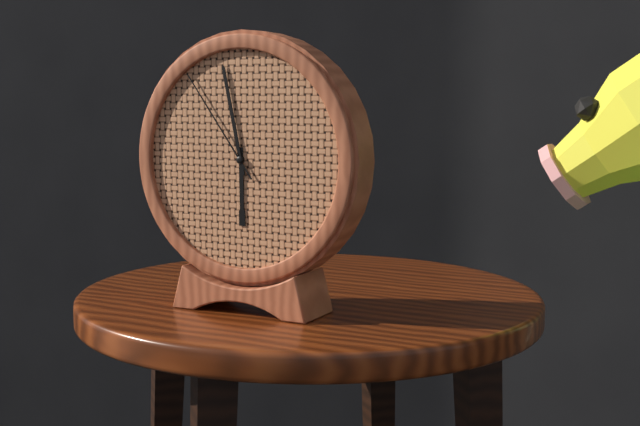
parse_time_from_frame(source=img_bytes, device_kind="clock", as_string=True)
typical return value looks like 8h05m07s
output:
5h58m54s
